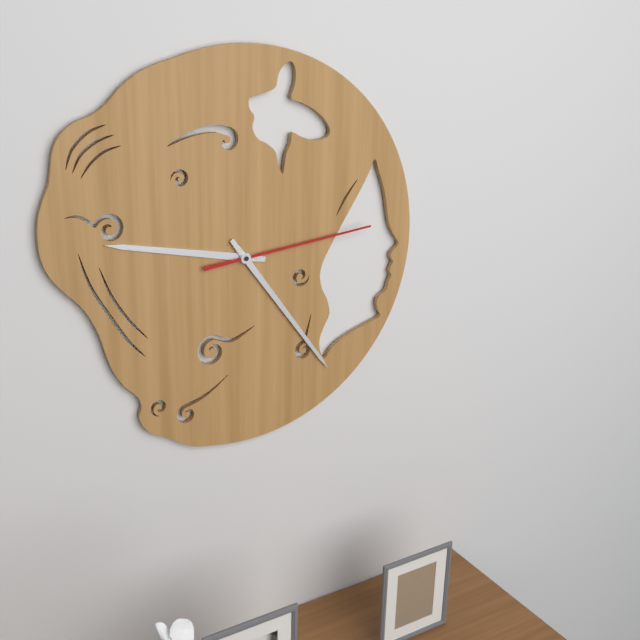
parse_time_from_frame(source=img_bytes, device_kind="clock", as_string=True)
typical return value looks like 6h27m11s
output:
9h24m14s
